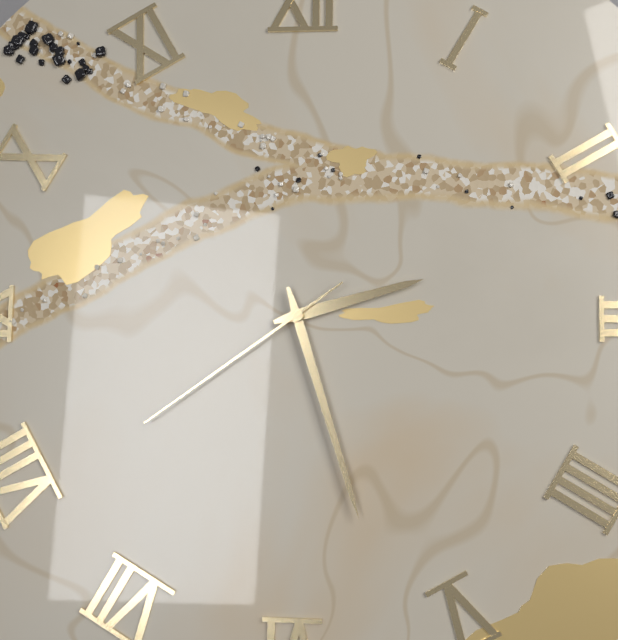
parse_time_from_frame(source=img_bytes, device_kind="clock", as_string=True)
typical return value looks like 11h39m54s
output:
2h27m39s
